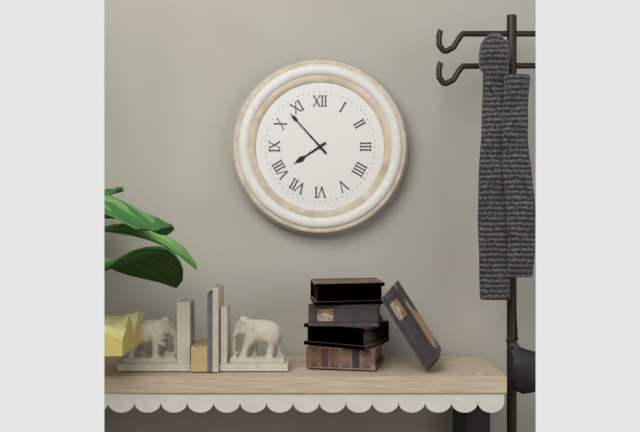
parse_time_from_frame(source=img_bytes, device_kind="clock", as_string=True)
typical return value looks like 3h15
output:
7h53
